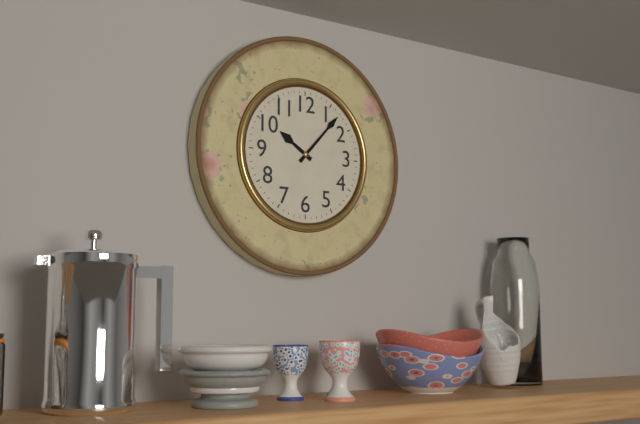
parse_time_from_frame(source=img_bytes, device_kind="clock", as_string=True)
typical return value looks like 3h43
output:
10h07
